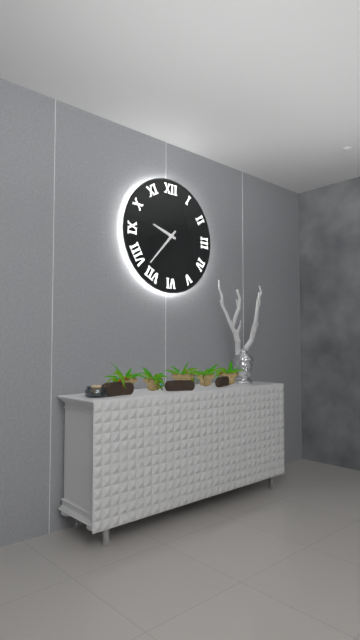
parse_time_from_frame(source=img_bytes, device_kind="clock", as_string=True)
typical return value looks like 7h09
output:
9h37
